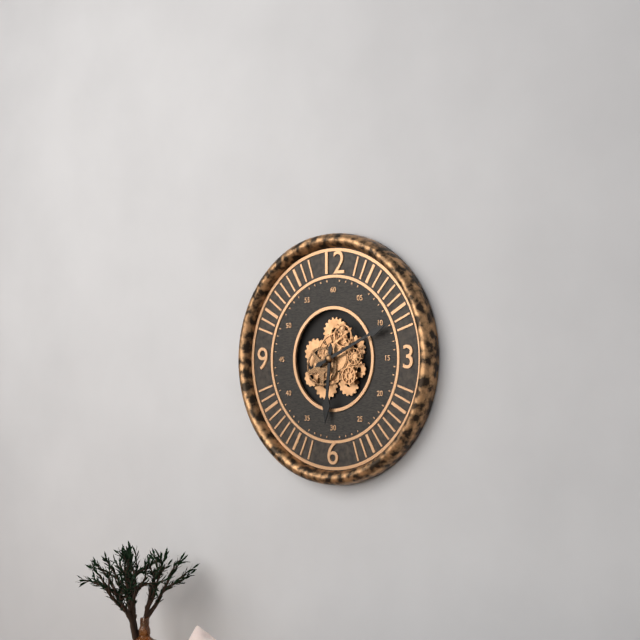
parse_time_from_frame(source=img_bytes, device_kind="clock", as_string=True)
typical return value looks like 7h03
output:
6h11
